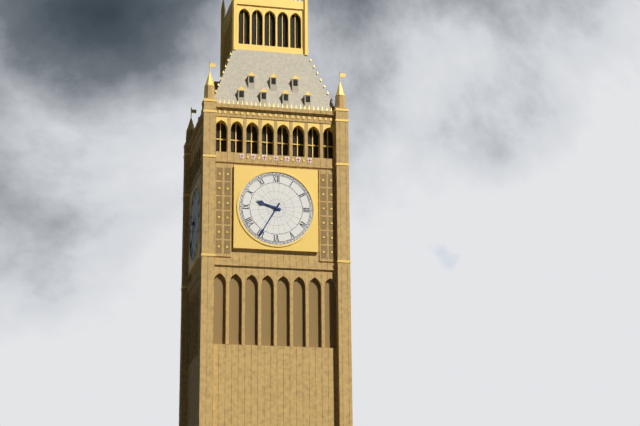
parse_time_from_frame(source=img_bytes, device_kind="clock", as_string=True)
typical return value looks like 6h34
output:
9h35
